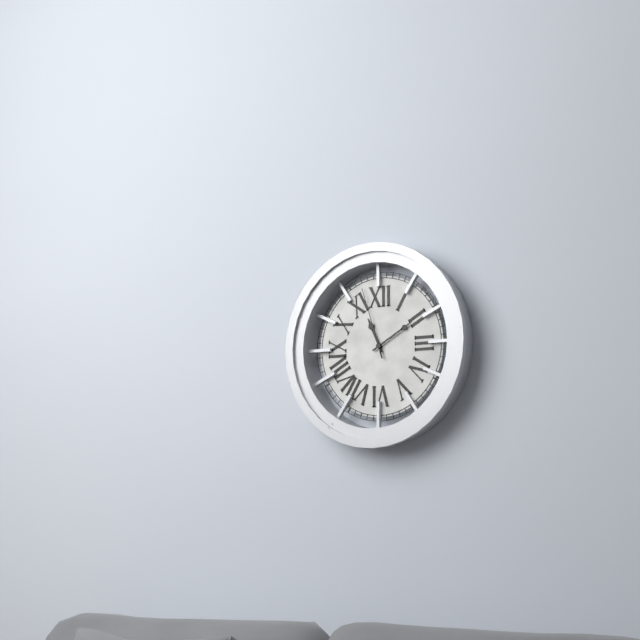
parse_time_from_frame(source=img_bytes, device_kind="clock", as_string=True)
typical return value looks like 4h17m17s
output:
11h10m57s
